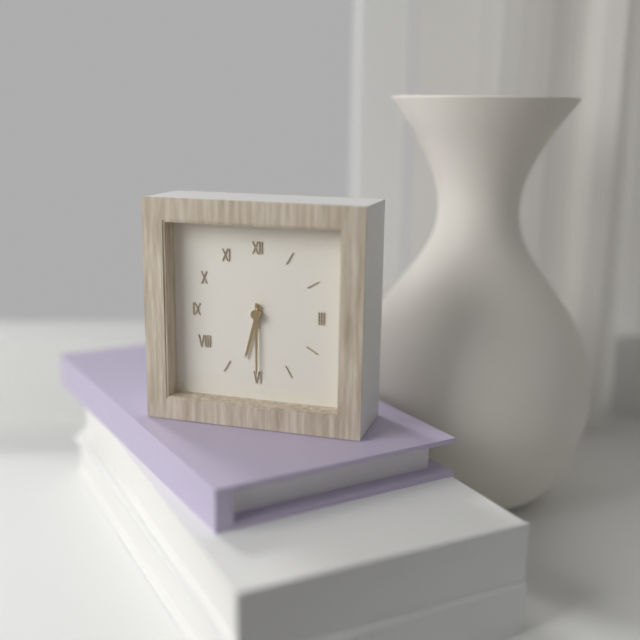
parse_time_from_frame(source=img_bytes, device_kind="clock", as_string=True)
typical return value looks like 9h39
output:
6h30
